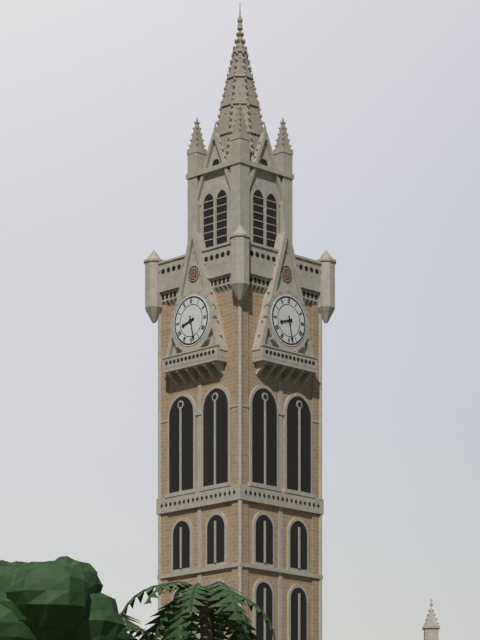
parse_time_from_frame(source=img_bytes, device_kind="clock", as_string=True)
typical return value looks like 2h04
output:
8h28
